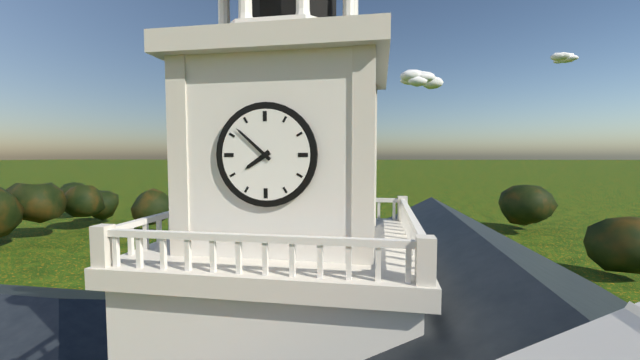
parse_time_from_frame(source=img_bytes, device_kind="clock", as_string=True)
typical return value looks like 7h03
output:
7h52
